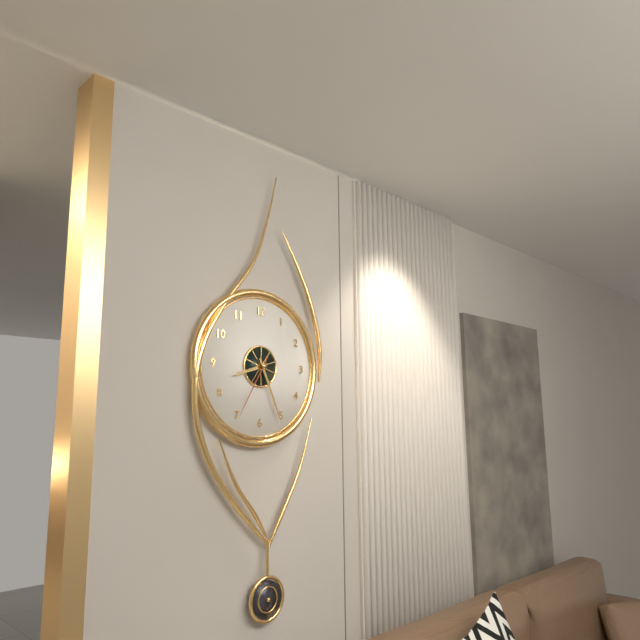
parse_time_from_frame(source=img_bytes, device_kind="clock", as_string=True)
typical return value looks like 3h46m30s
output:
8h26m35s
